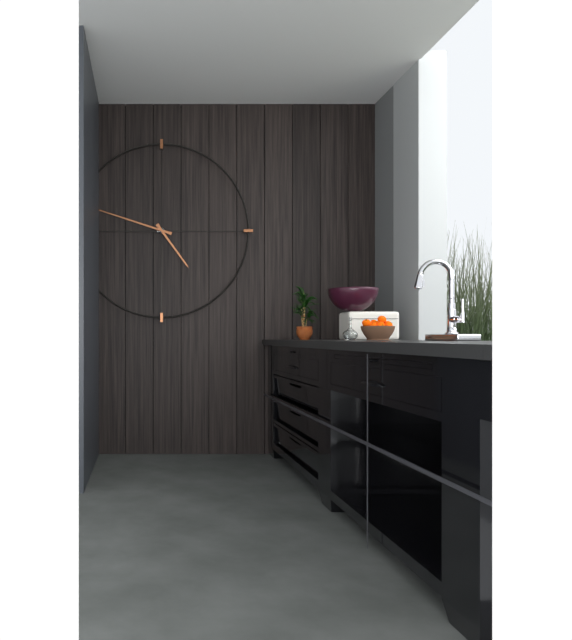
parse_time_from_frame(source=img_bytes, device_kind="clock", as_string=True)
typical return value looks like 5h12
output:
4h48
